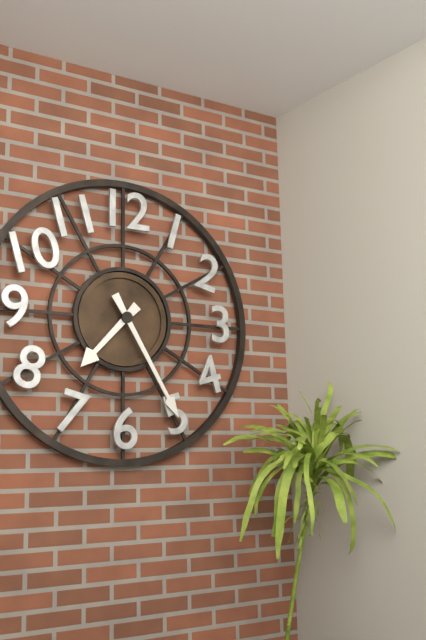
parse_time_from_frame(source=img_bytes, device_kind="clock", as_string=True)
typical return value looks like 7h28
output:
7h25
